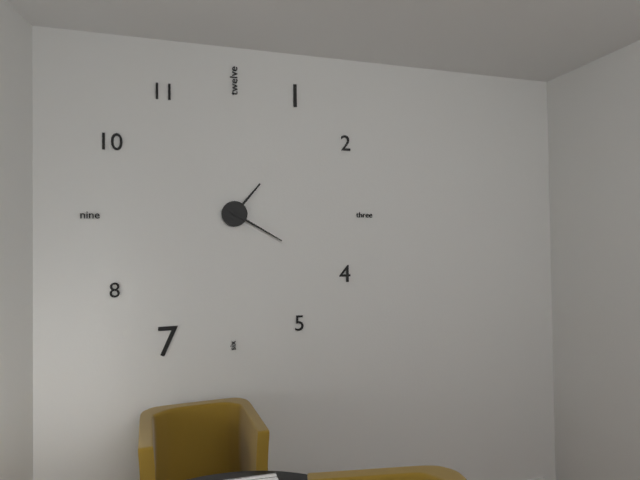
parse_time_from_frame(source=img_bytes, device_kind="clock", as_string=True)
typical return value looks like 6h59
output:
1h20
